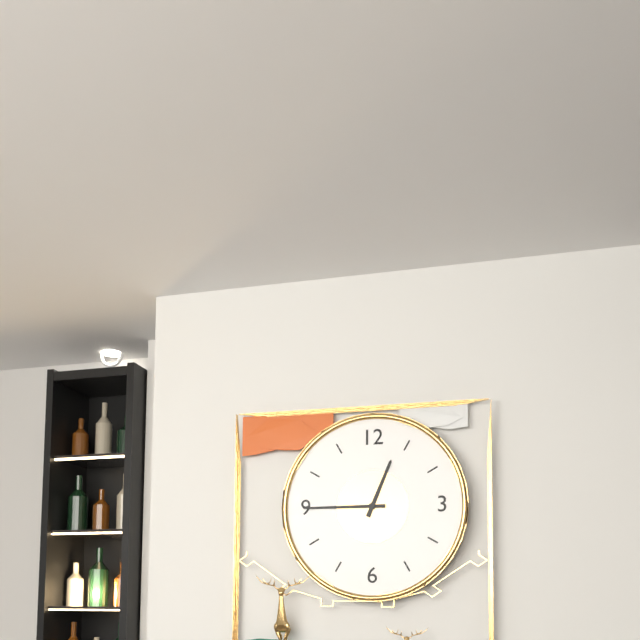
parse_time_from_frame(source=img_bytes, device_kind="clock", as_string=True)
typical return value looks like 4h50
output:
12h45
